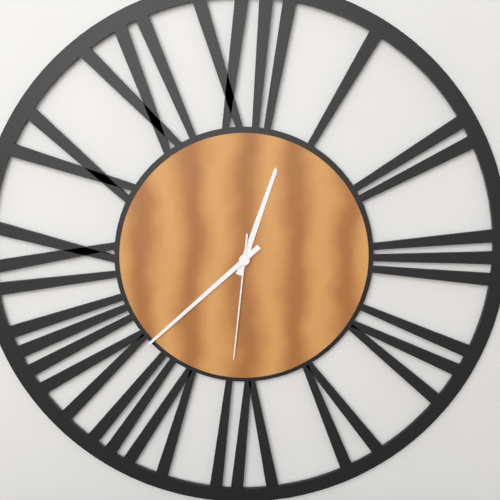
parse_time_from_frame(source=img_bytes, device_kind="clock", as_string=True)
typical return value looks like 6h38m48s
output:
12h38m31s
